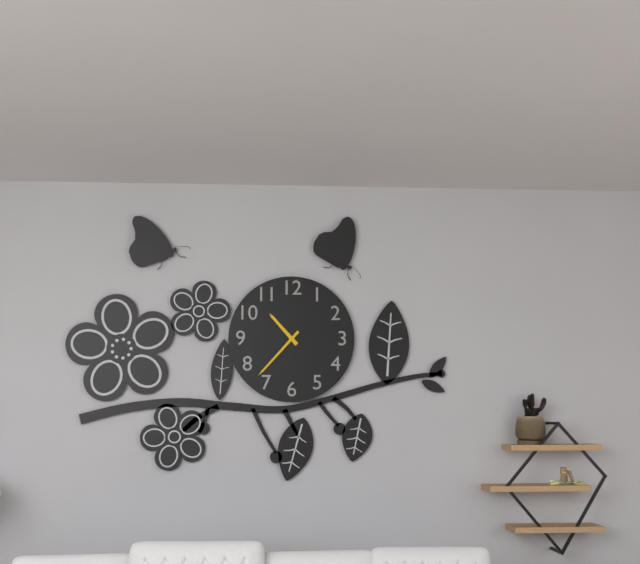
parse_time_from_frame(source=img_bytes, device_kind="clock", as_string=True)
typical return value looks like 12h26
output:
10h37
